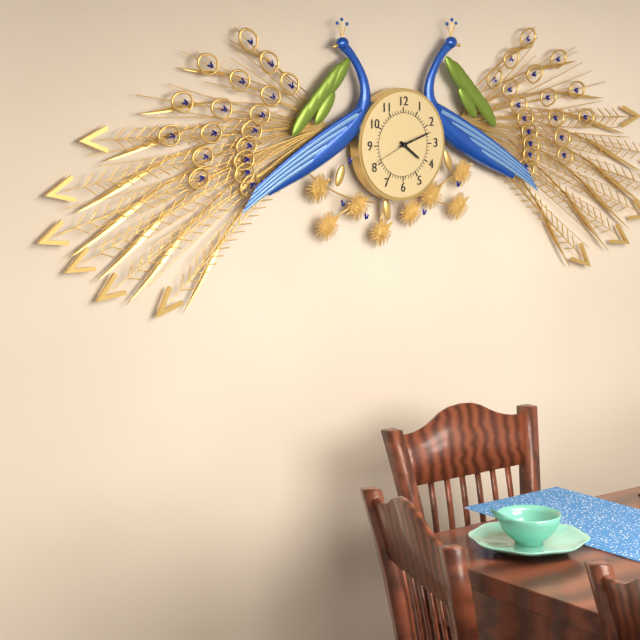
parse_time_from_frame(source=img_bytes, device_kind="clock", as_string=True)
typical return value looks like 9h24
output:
4h12
